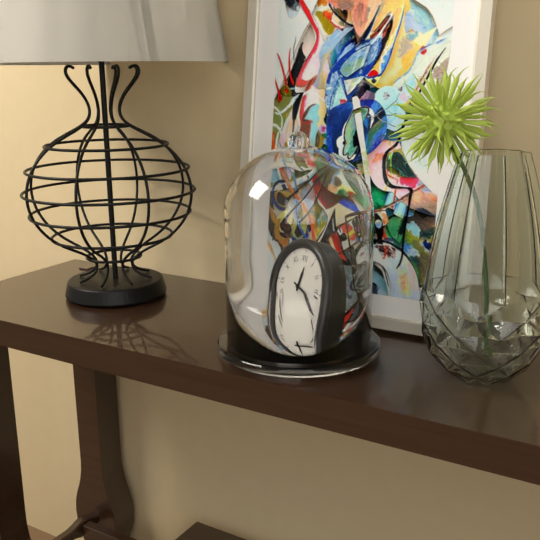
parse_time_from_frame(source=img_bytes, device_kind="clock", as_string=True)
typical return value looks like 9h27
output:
12h18
